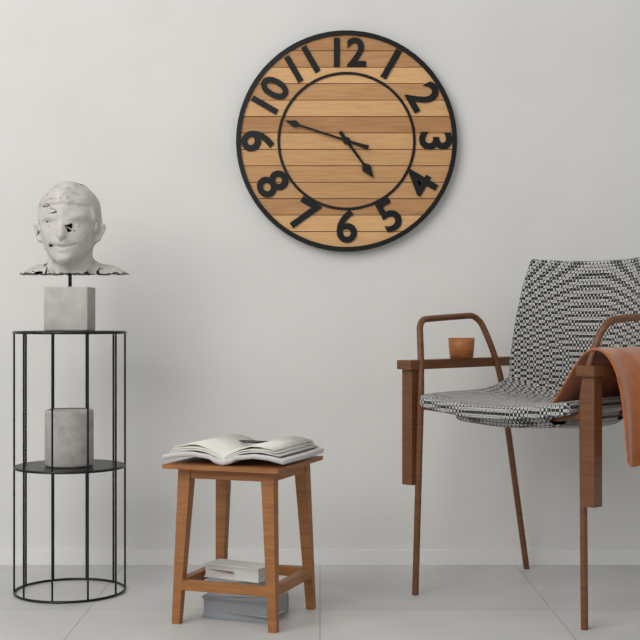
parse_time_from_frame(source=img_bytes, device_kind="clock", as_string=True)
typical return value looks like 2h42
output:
4h48
